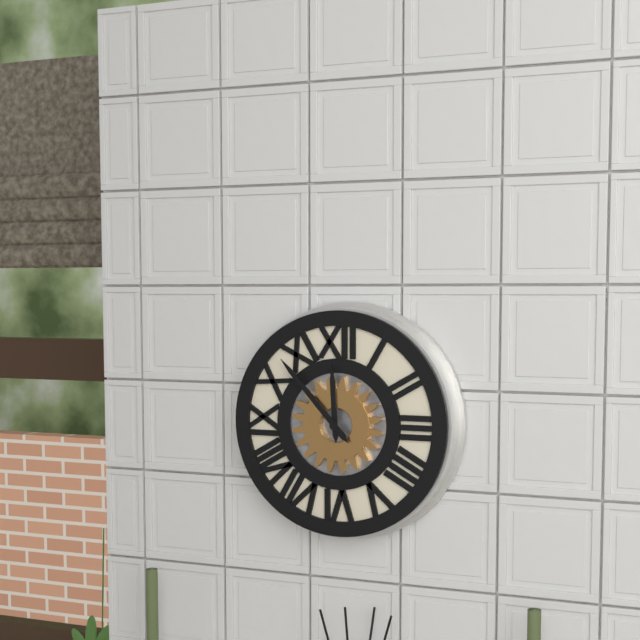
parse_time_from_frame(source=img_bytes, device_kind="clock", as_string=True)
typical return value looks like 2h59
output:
11h53
